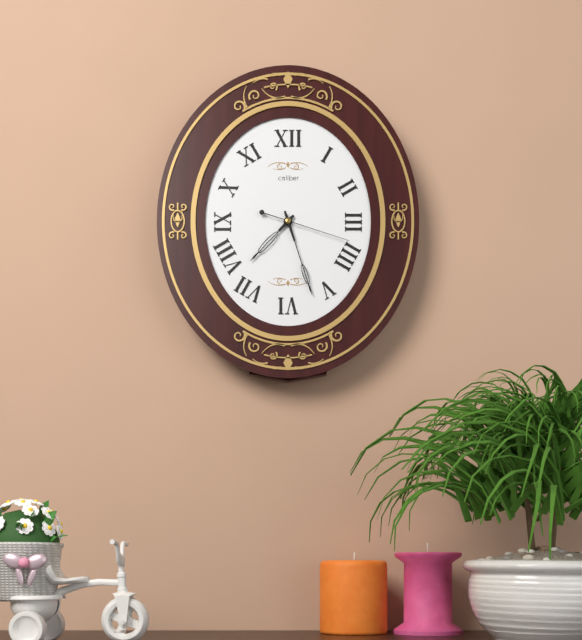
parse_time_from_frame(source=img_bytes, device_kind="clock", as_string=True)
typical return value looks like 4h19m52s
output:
7h27m18s
